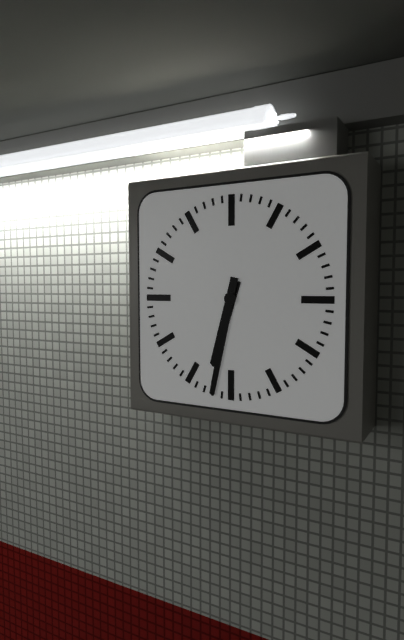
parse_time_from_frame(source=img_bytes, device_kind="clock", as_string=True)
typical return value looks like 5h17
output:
6h32
